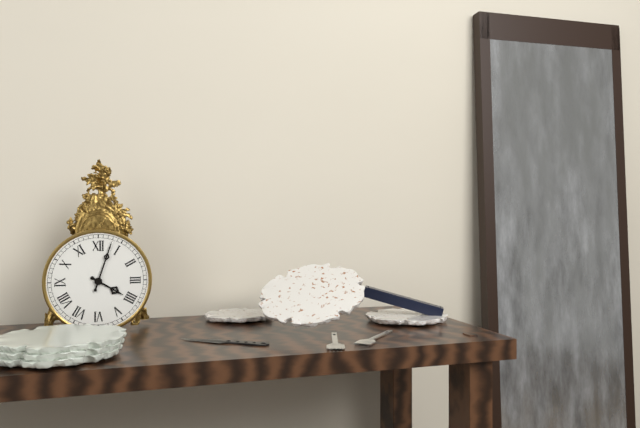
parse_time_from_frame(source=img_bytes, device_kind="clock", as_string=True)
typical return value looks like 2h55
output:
4h03
